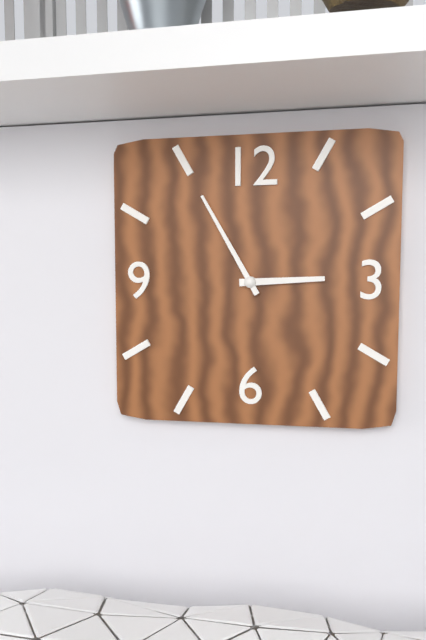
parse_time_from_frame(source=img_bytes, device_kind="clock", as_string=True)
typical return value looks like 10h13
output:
2h55
